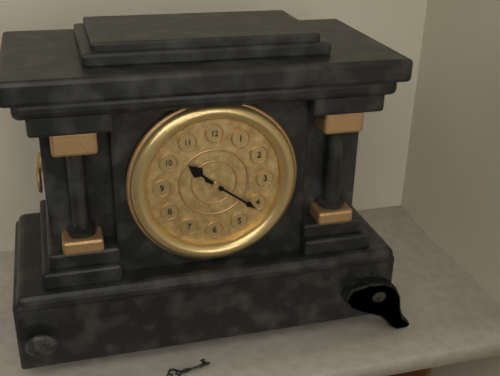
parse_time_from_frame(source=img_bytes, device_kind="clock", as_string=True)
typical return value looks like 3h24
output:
10h21
